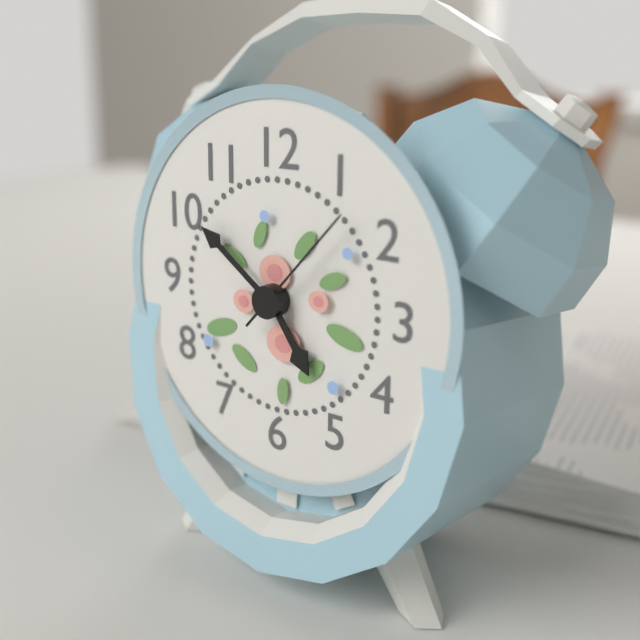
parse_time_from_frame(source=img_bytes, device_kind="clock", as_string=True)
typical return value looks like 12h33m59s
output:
4h51m07s
